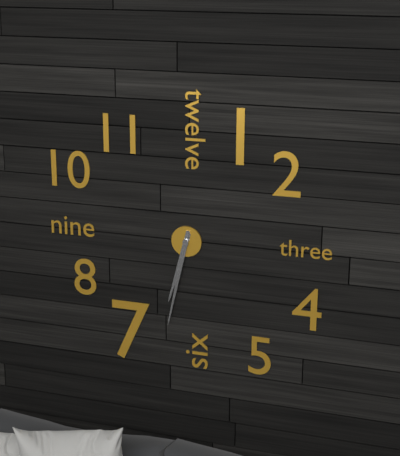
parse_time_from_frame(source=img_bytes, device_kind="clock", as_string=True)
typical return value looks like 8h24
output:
6h32
